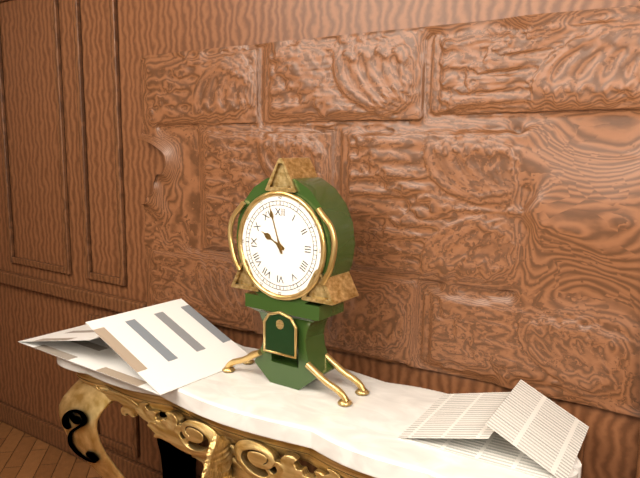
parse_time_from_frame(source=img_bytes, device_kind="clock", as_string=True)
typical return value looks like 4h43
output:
9h57
